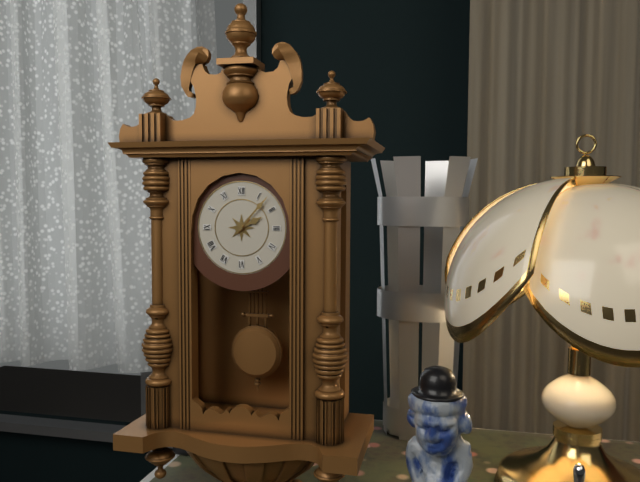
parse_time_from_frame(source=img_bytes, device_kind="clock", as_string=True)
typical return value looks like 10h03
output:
2h07
